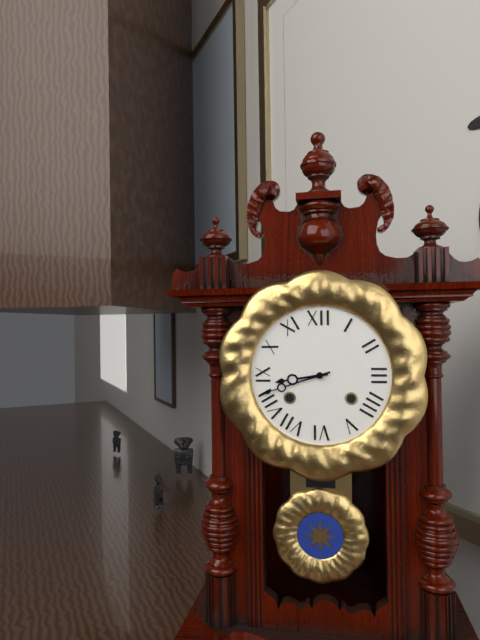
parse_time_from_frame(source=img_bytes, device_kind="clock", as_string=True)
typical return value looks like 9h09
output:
8h42
